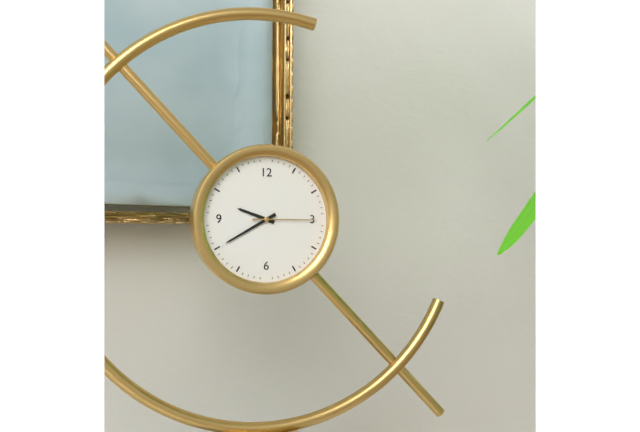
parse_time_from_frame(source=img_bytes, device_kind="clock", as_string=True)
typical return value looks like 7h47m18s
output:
9h40m15s
